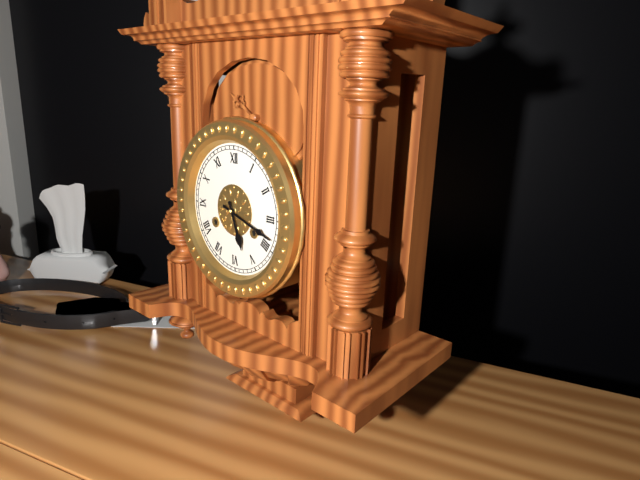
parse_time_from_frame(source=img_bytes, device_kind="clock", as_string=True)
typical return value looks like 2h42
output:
5h18
